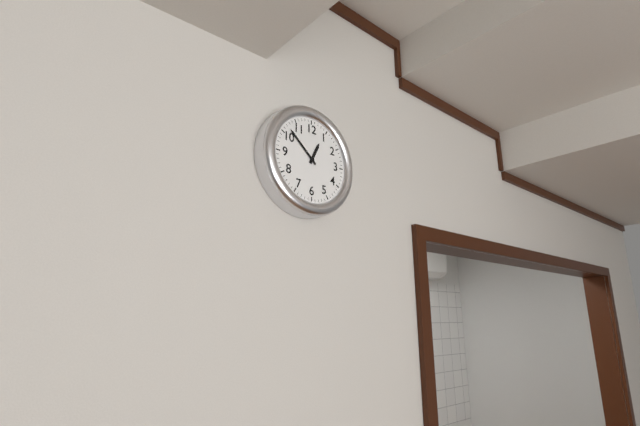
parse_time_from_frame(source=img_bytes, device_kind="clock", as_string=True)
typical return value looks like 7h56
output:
12h52
